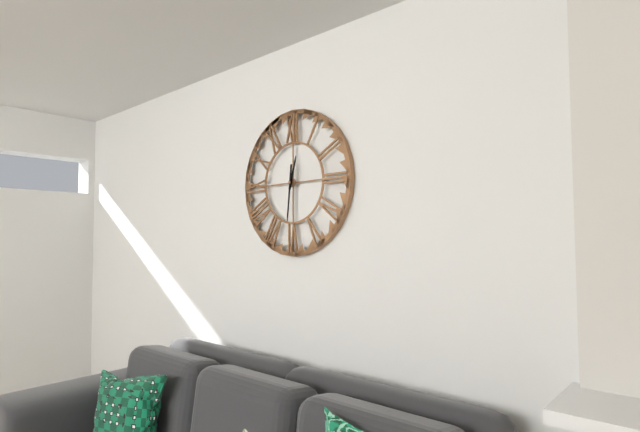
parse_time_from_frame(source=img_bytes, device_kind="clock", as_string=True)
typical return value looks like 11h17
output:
12h31
